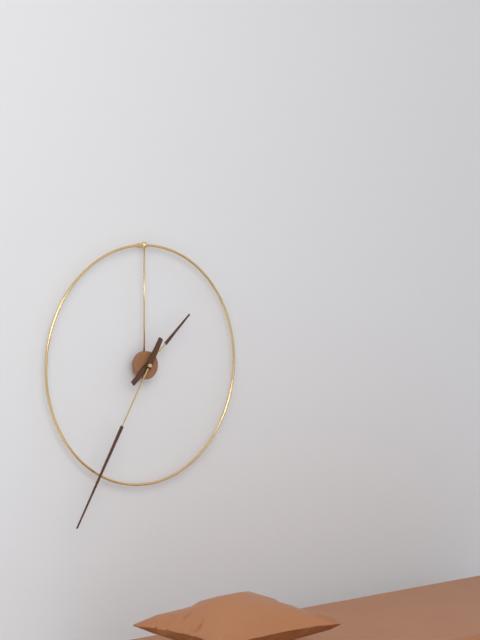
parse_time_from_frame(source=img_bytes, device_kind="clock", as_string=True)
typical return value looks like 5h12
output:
1h35
